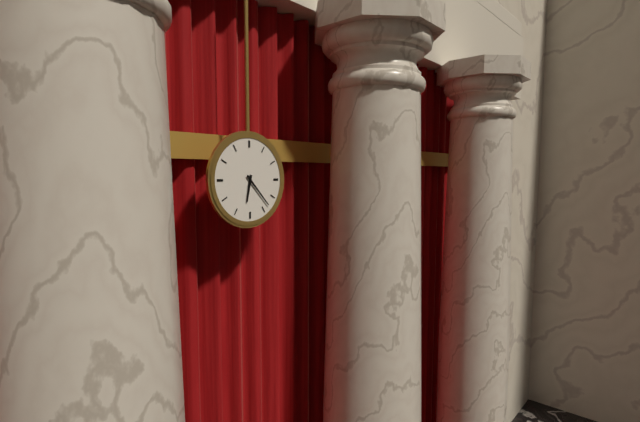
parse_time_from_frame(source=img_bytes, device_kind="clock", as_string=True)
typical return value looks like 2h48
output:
6h23
